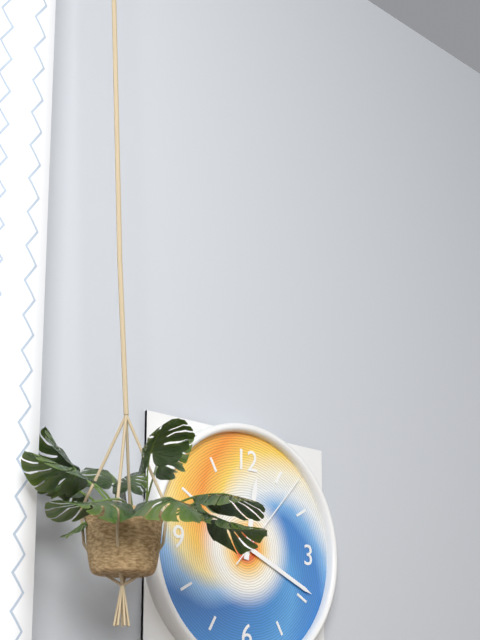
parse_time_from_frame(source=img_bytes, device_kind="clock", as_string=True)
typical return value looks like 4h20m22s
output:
12h19m07s
